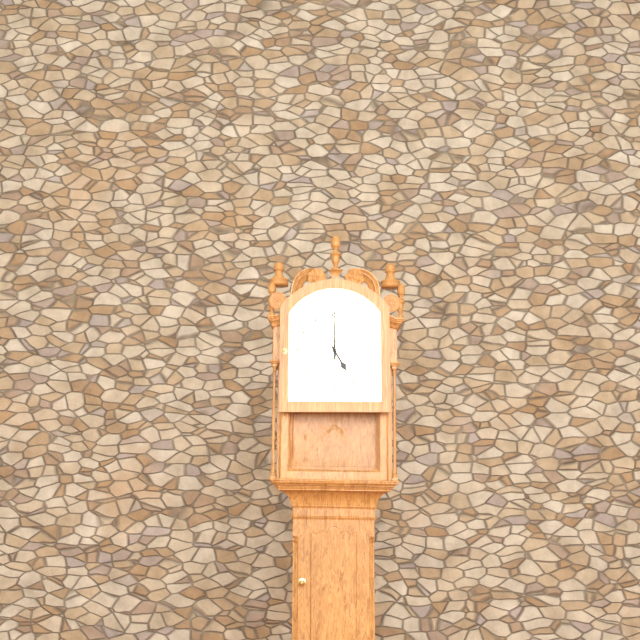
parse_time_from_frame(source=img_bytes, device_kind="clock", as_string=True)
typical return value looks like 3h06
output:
5h00
